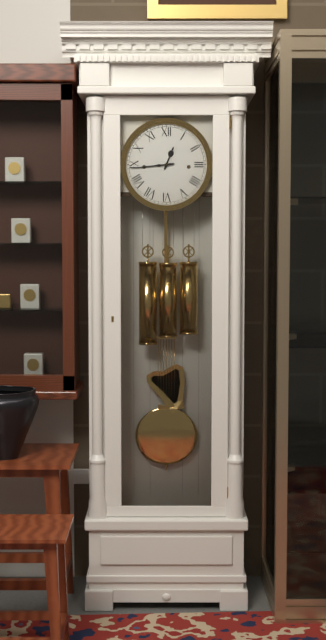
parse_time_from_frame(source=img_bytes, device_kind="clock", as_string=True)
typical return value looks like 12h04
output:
12h44
